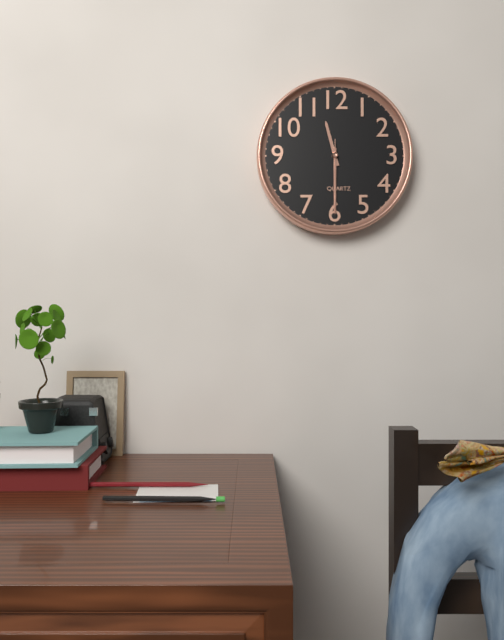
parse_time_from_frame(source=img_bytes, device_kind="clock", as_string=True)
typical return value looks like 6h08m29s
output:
11h30m30s
